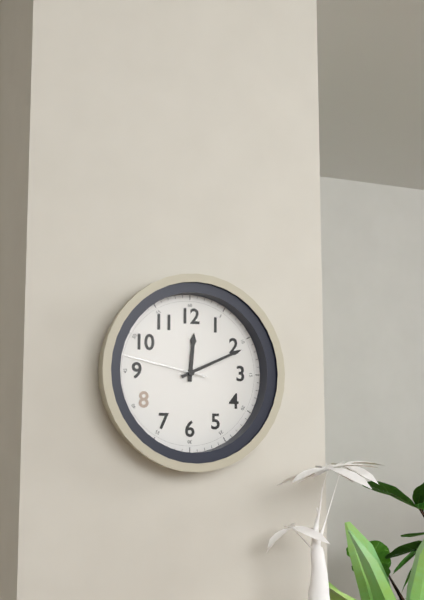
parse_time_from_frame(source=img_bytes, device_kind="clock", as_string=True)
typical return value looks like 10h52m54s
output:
12h11m47s
